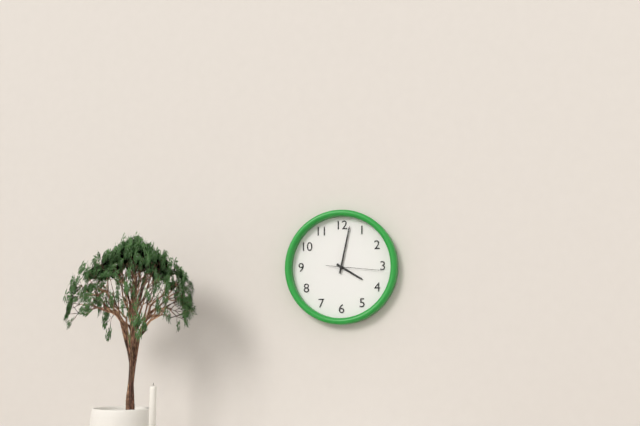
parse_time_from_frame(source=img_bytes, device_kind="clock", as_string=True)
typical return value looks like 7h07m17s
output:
4h02m16s
